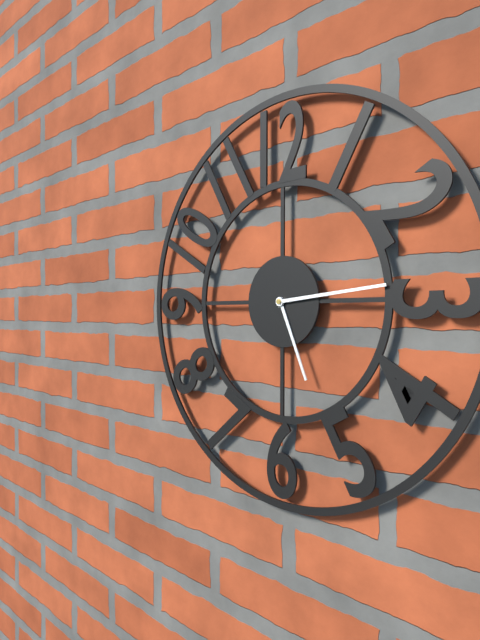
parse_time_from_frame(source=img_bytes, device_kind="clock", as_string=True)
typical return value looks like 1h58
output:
5h14
